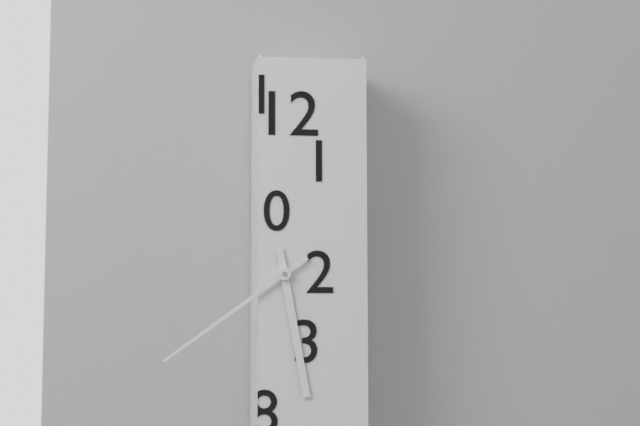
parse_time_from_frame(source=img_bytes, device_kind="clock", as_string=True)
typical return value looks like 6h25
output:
5h39
